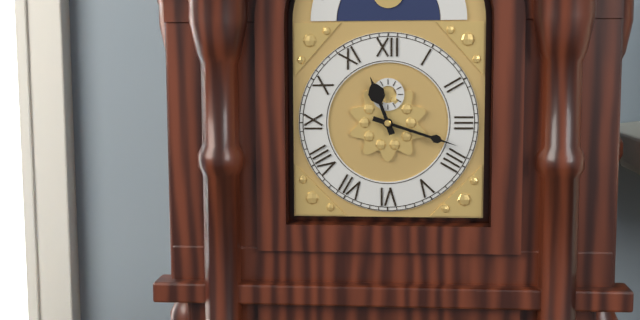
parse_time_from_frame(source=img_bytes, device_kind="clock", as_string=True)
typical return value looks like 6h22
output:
11h18
